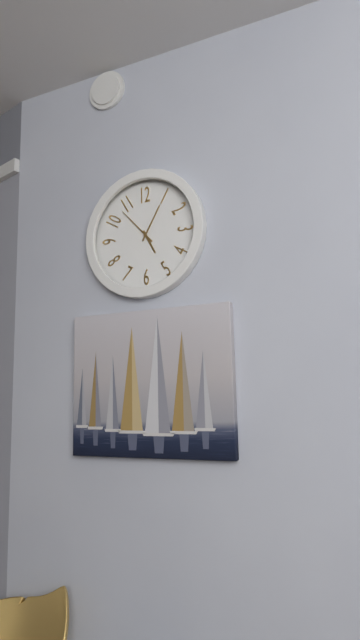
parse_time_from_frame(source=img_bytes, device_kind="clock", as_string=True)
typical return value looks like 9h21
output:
5h05
